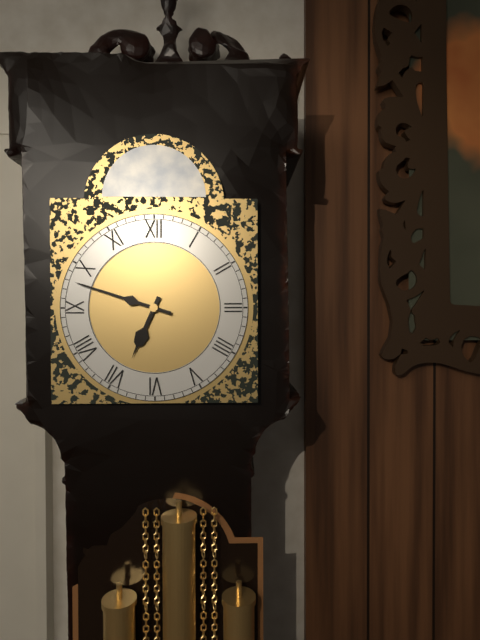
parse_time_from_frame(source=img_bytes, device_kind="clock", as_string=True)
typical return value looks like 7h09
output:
6h48
